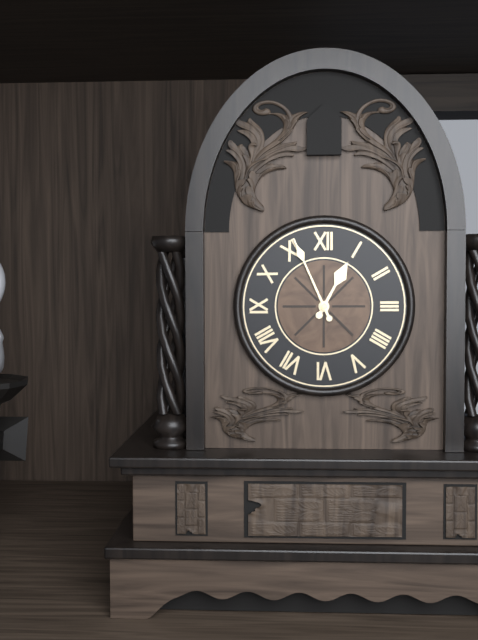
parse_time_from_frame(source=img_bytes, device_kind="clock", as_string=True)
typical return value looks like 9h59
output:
12h56
